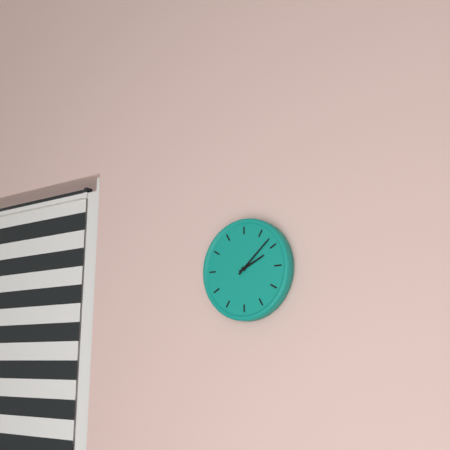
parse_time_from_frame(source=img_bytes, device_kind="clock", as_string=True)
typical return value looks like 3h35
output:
2h08
